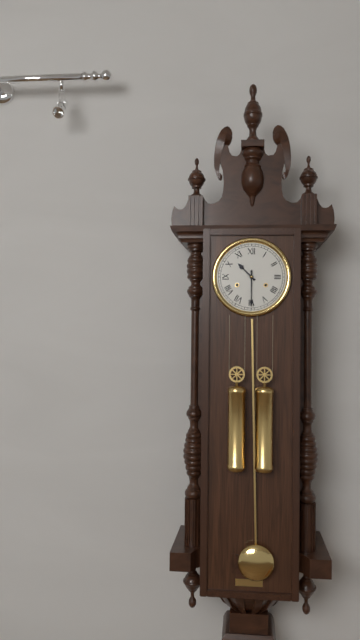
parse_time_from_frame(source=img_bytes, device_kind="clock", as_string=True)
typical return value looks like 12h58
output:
10h30
